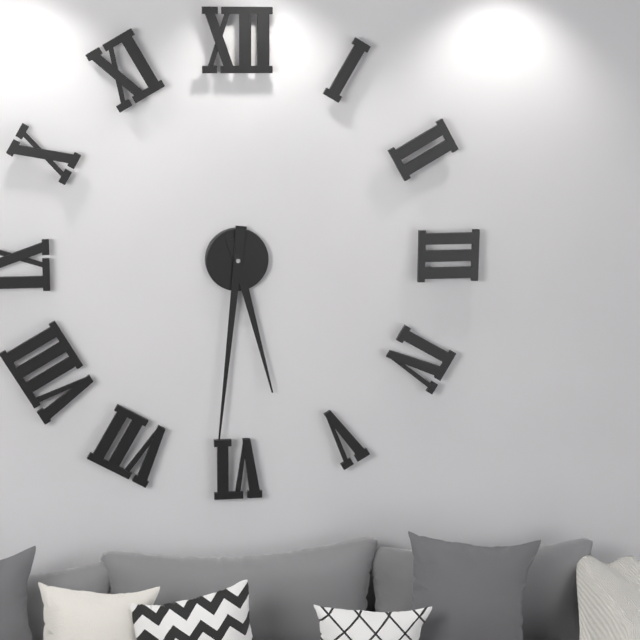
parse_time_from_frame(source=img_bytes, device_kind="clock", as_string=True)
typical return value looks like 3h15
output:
5h31
